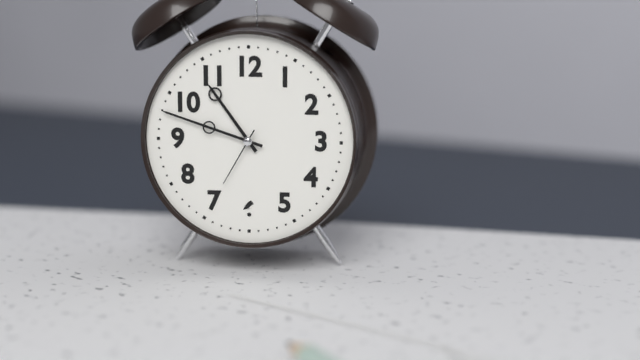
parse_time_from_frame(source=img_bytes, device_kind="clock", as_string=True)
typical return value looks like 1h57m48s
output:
10h48m35s
